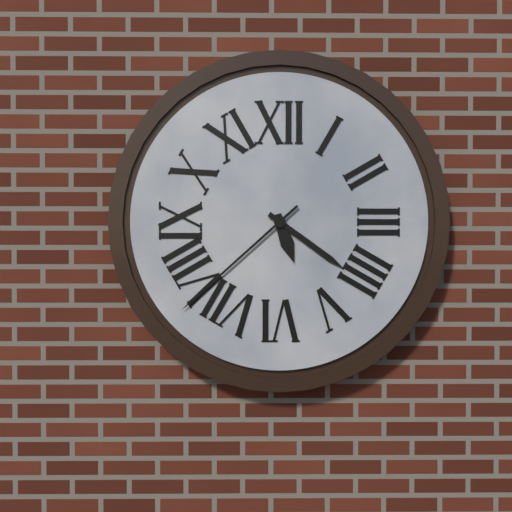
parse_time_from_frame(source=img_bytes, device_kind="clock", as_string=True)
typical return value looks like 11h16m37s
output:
5h21m38s
